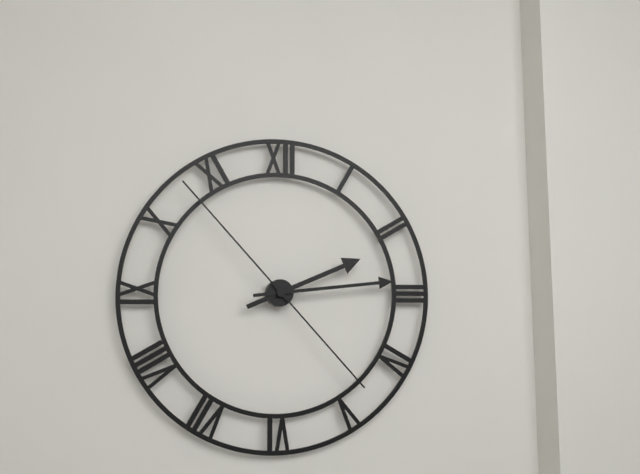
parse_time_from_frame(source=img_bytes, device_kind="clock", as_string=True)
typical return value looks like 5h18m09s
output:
2h14m53s
